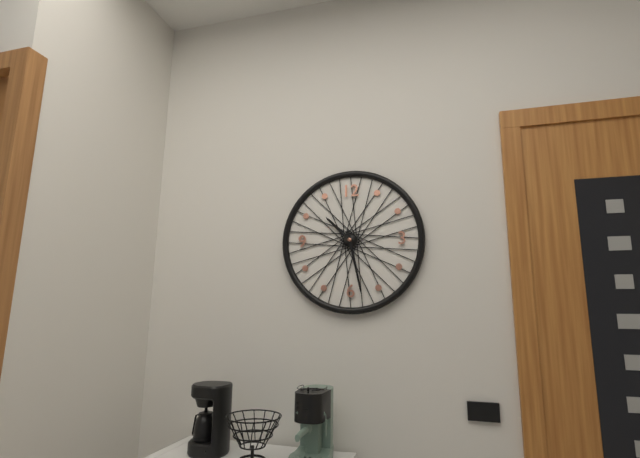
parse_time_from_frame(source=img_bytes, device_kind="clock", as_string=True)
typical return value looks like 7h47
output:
10h28
